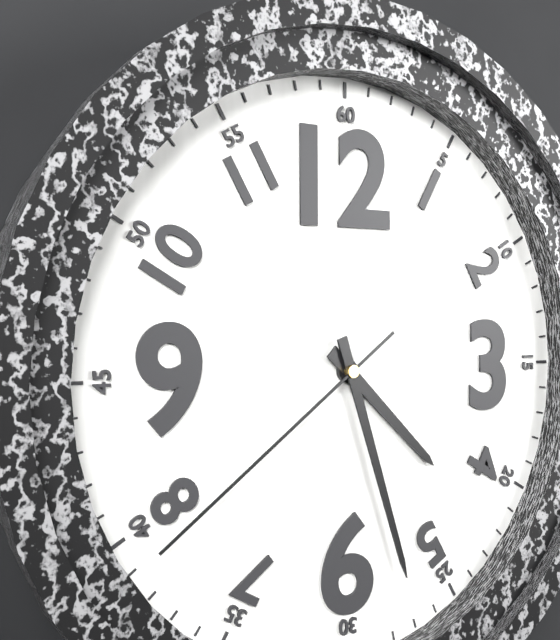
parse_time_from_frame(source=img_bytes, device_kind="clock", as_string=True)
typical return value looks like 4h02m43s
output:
4h27m39s
